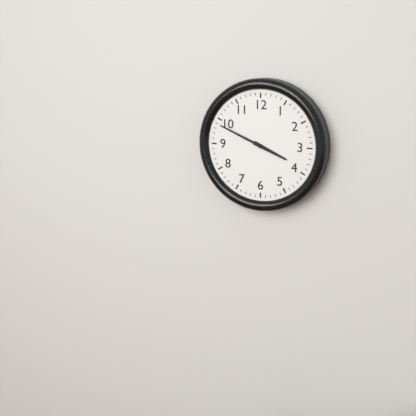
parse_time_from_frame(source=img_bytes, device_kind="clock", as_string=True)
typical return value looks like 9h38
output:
3h49
